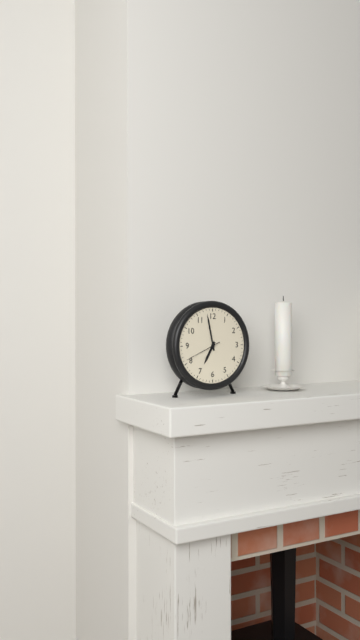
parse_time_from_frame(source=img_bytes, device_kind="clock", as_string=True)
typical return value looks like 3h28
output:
6h58
